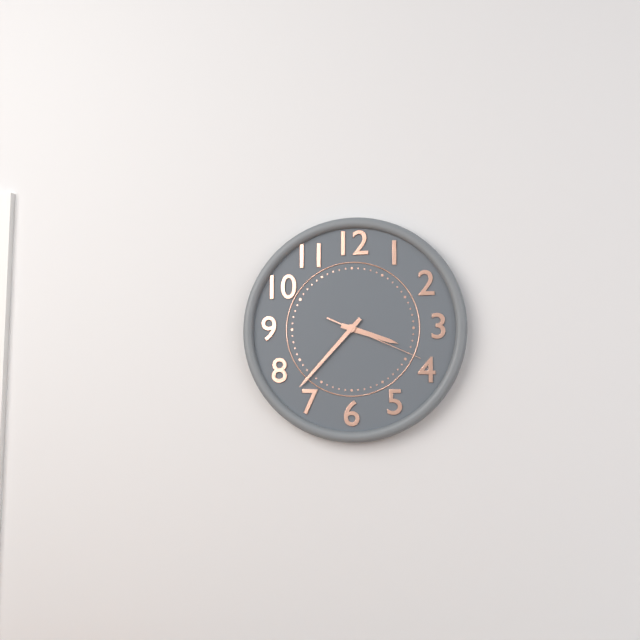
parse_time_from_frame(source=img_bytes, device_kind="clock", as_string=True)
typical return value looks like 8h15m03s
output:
3h37m19s
